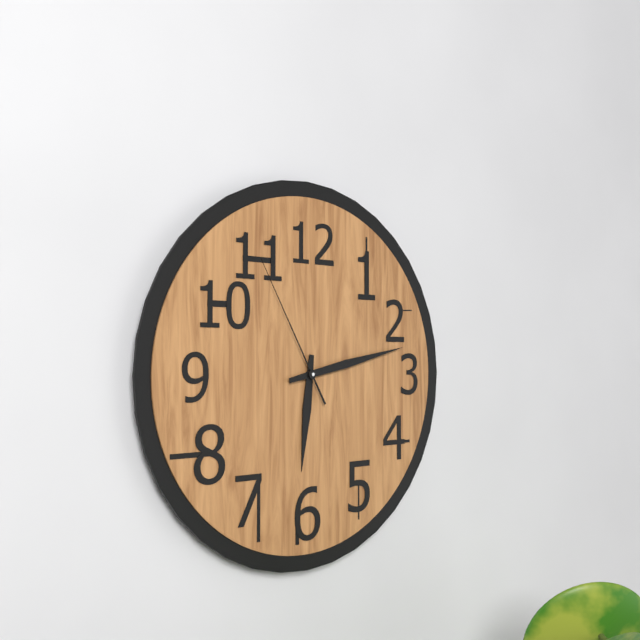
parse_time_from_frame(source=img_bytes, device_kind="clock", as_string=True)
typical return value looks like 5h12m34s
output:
6h13m55s
